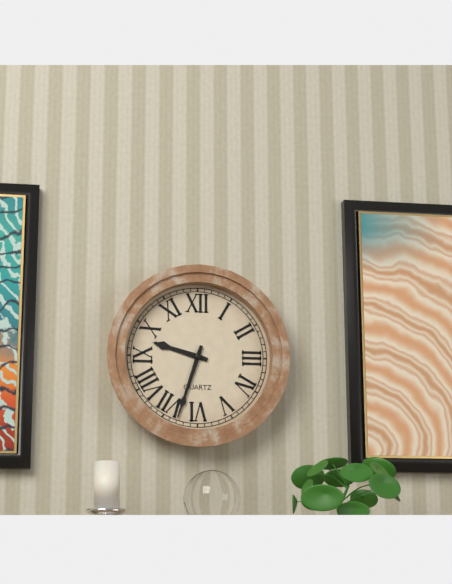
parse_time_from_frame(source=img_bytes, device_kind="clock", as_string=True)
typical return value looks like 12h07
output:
9h33
